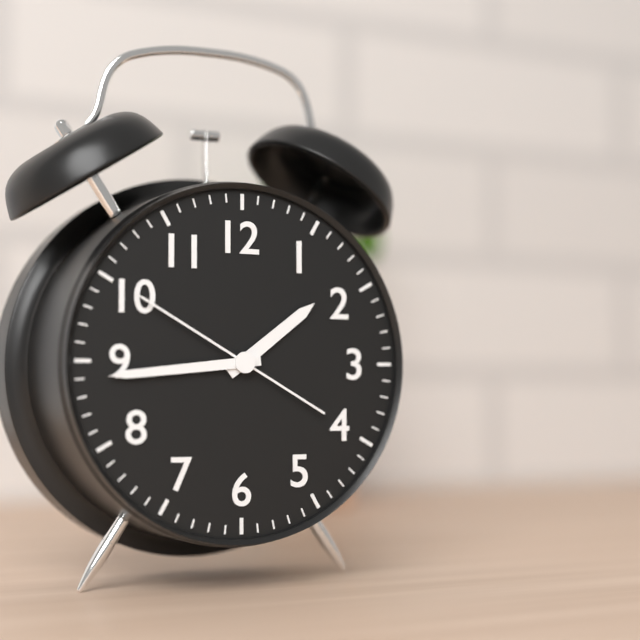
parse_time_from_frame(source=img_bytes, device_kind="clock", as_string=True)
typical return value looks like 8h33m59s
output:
1h44m50s
